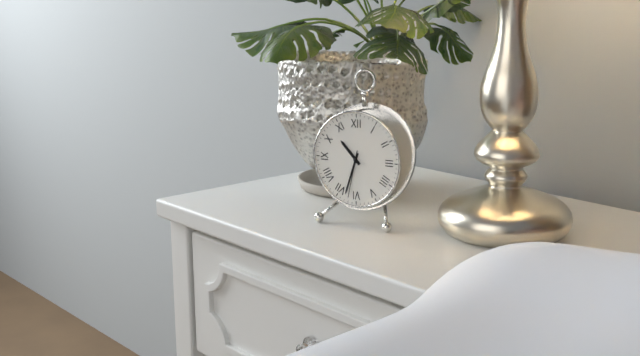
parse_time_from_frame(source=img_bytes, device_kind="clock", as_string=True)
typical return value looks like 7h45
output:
10h33
